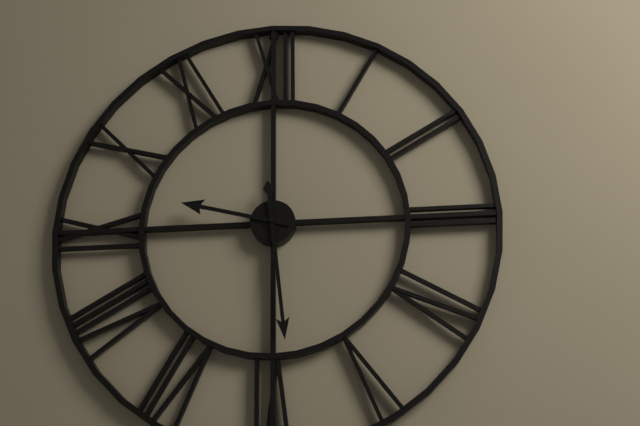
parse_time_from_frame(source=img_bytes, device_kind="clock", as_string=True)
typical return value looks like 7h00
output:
9h29
